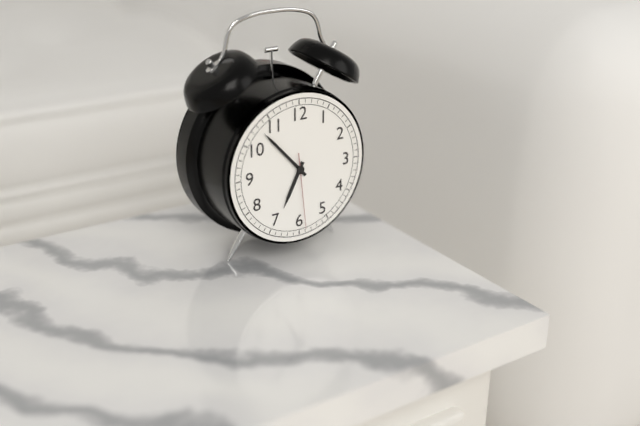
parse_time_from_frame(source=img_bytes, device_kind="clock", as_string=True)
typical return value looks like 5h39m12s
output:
6h53m29s
